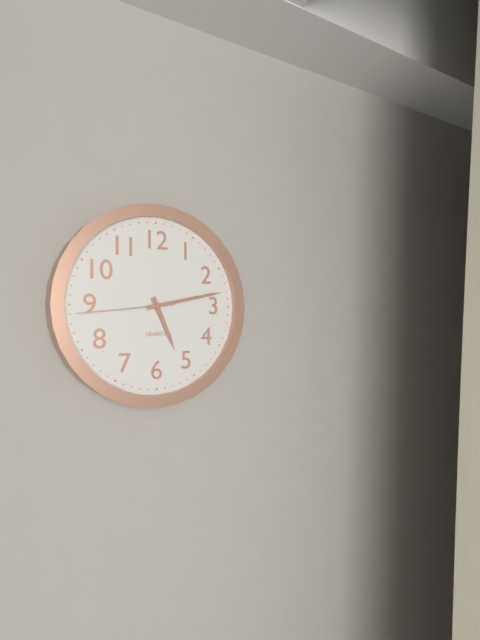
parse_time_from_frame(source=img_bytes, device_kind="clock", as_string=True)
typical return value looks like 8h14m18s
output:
5h13m44s
